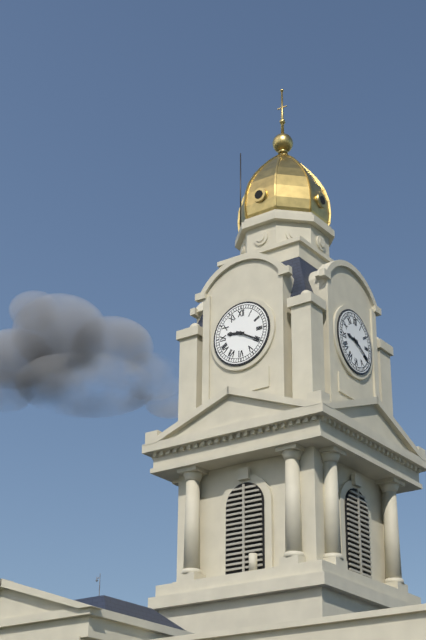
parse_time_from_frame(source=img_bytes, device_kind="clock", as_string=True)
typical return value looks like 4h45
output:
9h20
